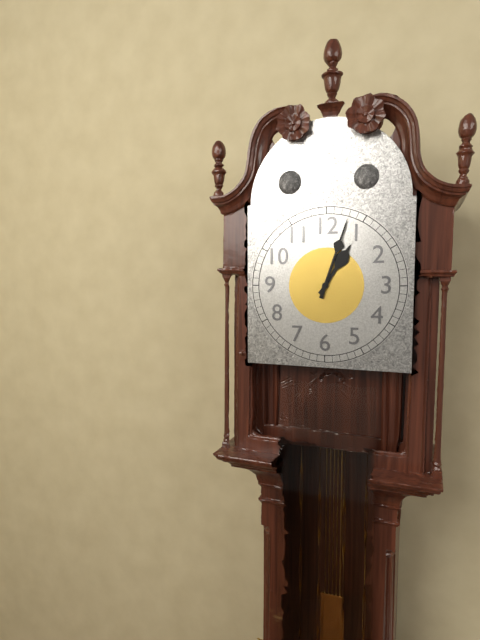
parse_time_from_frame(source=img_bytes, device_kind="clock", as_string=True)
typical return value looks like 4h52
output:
1h03
